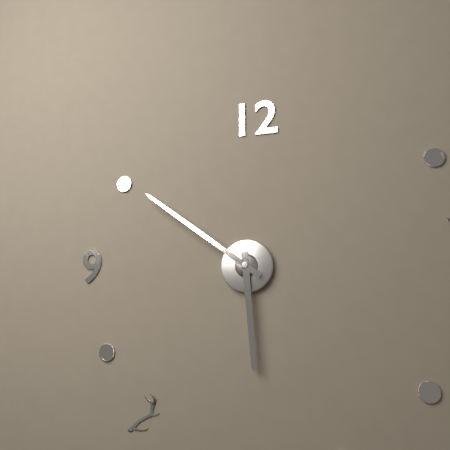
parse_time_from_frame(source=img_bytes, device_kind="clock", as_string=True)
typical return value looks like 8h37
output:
5h51
